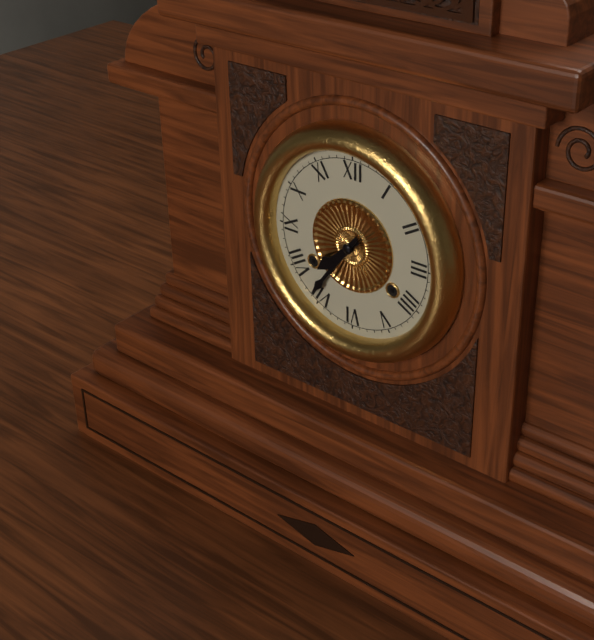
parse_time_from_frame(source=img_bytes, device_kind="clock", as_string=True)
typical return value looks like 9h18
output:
7h36
